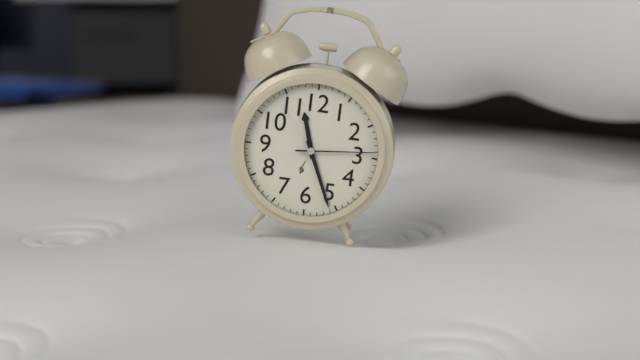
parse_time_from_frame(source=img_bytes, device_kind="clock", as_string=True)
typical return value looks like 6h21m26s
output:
11h26m14s
